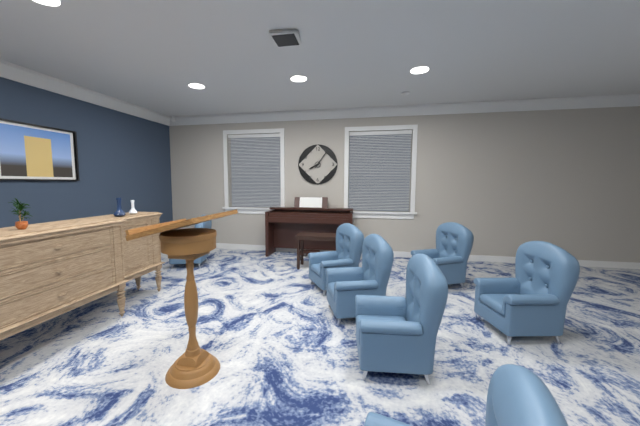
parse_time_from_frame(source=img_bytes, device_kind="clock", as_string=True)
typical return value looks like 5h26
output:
8h06
